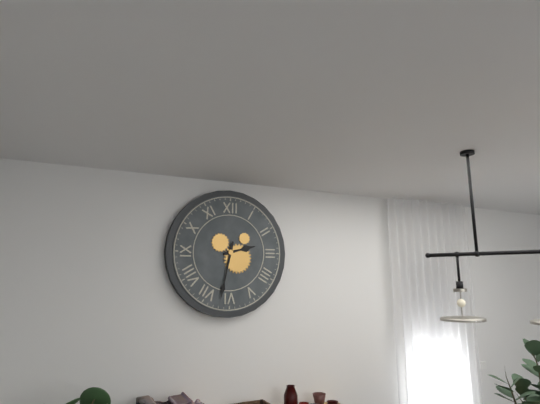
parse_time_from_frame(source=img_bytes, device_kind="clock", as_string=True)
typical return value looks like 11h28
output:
2h32
